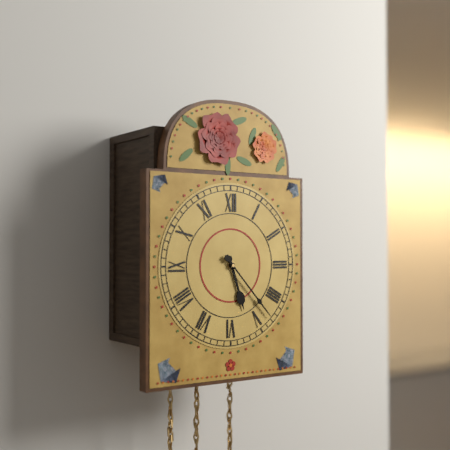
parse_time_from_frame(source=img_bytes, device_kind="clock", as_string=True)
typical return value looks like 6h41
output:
5h23
